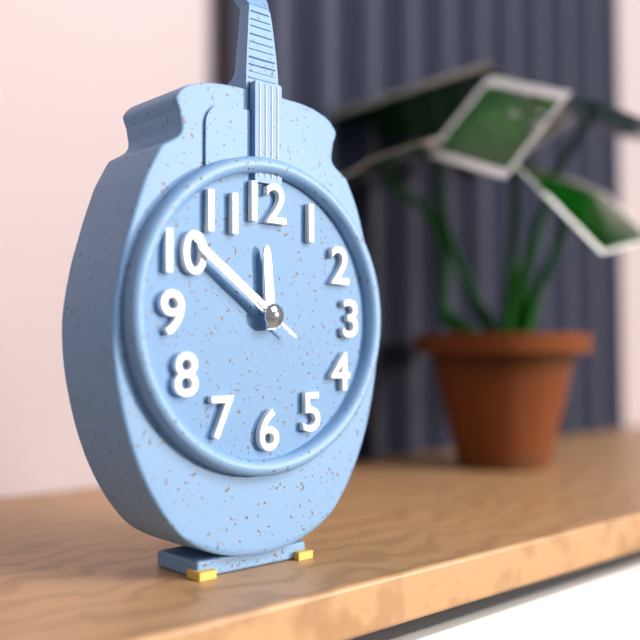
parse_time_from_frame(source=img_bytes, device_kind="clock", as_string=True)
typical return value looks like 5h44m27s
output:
11h51m51s
